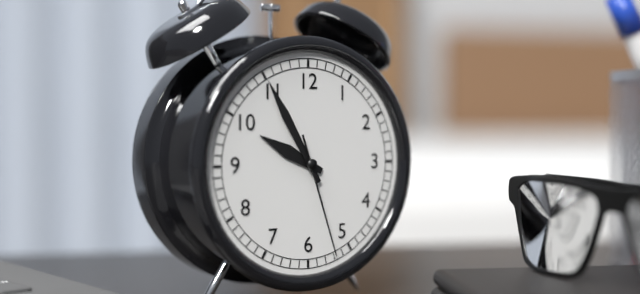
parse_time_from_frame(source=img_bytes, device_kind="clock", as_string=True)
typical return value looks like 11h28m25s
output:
9h55m27s
